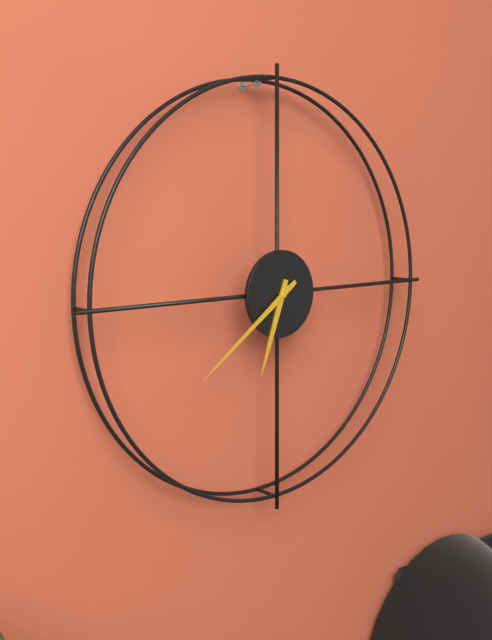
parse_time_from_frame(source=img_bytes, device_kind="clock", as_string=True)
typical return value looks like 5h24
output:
6h39
